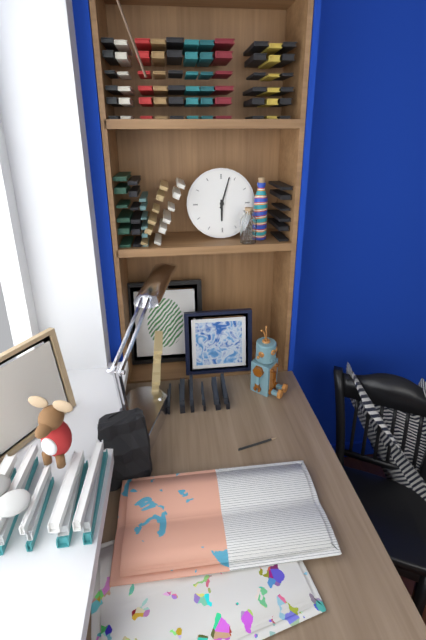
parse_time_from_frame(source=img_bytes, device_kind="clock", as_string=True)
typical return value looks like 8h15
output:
6h03
